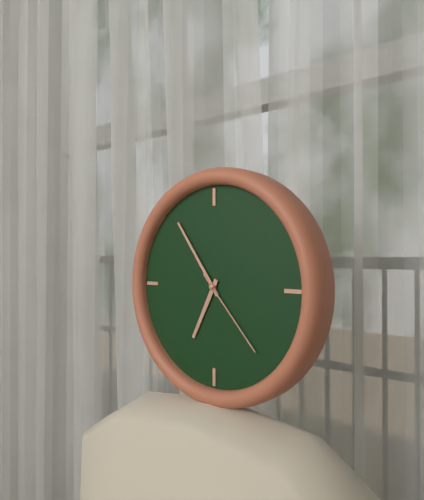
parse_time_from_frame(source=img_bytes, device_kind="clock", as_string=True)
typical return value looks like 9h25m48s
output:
6h54m23s
